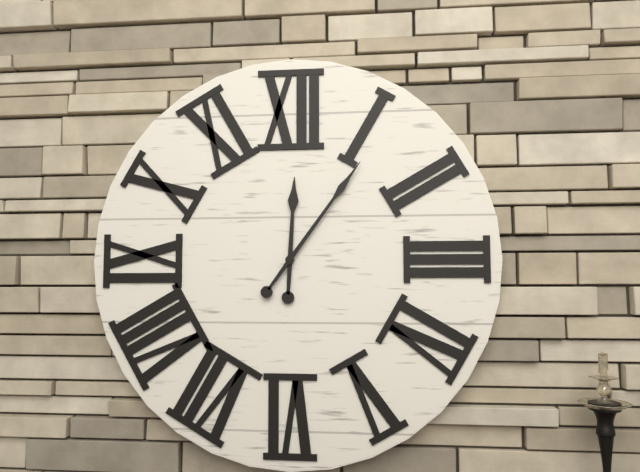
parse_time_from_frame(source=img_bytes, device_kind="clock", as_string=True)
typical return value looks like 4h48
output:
12h06
